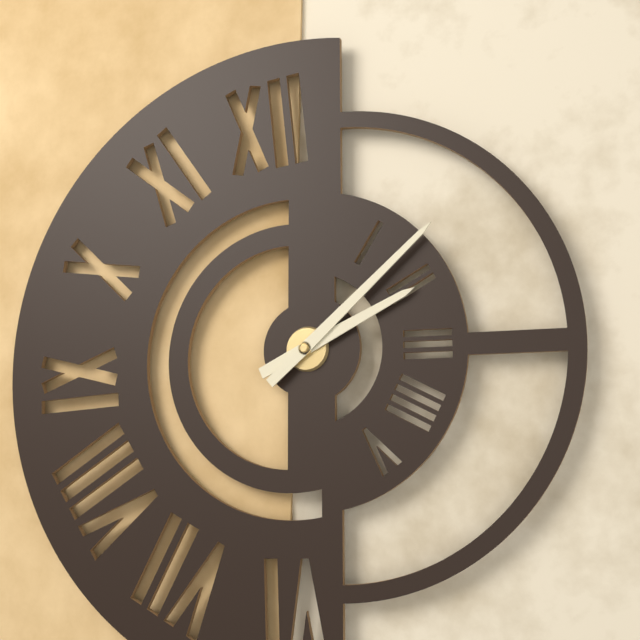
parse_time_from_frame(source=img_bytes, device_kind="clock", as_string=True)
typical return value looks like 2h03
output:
2h08
